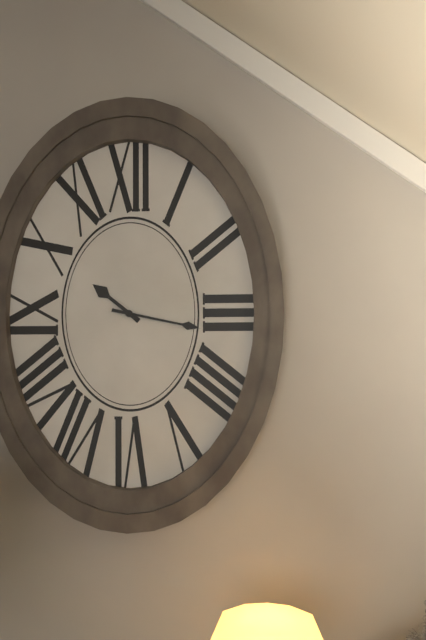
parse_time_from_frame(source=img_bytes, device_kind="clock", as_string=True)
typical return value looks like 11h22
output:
10h17
